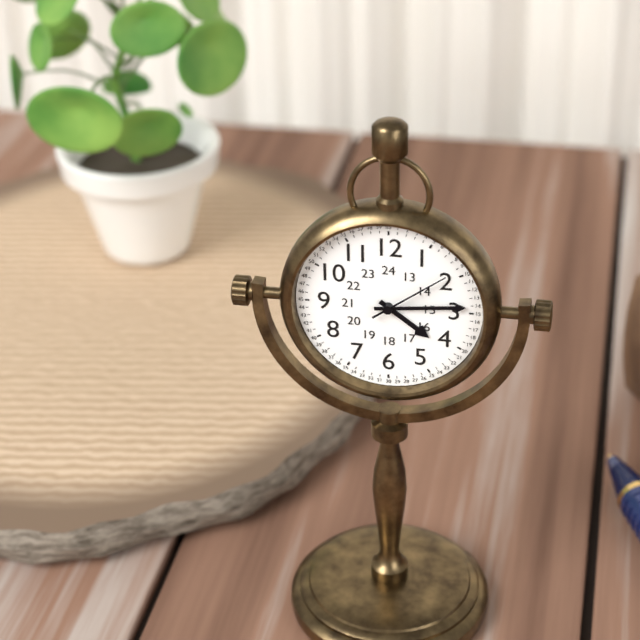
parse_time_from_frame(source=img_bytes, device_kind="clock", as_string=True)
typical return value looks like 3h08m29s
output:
4h14m09s
